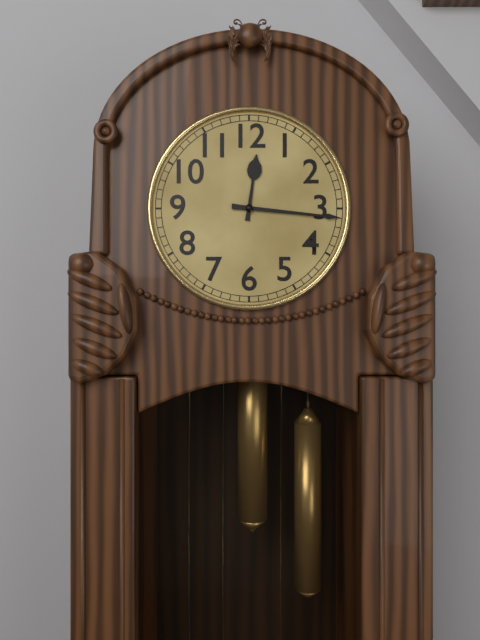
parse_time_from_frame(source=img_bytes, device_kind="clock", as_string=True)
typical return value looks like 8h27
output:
12h16
